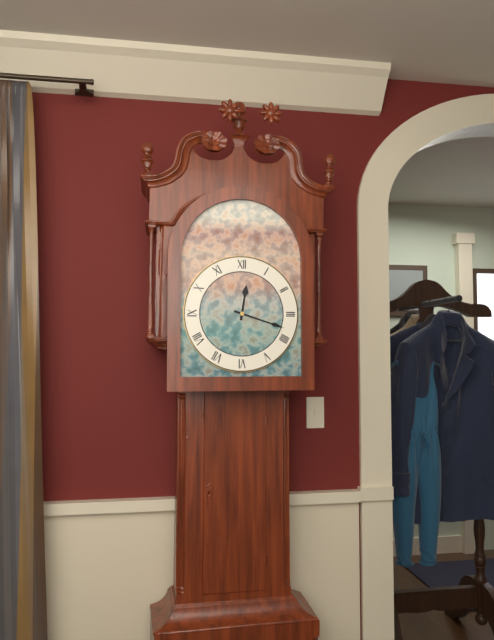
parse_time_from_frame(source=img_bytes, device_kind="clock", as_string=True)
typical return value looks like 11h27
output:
12h18
